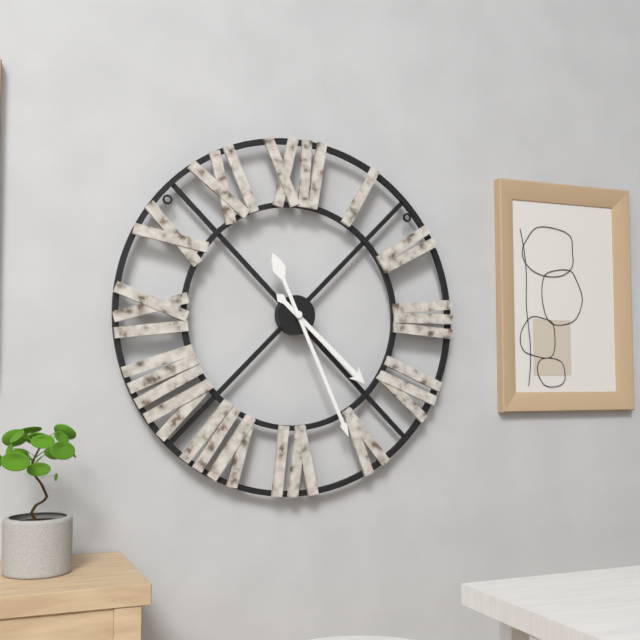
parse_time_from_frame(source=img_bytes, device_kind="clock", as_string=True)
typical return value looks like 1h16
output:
4h26
